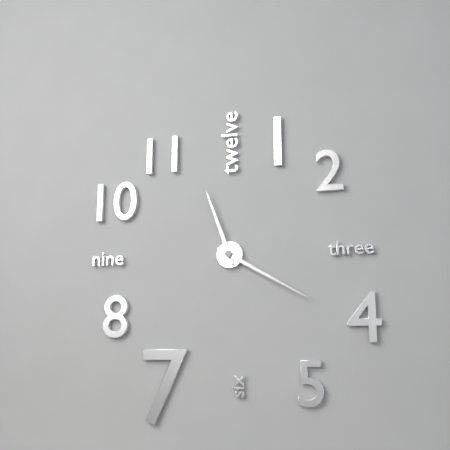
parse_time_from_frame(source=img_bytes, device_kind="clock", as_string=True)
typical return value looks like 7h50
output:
11h20
